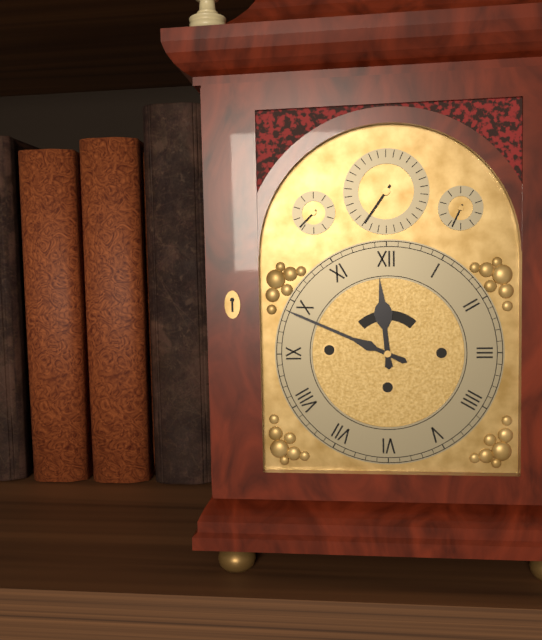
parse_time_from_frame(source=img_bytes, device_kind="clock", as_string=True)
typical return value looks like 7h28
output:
11h49
